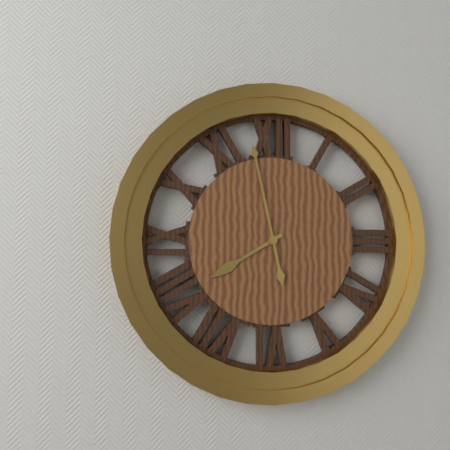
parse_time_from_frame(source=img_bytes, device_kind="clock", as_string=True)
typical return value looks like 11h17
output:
7h58
